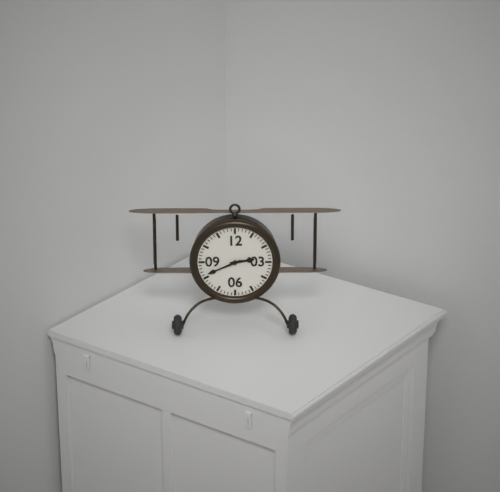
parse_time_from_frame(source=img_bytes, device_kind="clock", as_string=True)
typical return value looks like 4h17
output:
2h41
